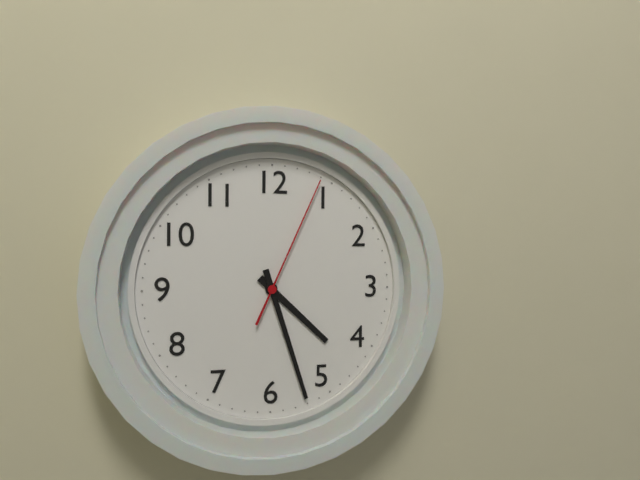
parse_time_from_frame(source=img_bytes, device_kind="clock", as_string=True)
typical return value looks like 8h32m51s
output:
4h27m04s
